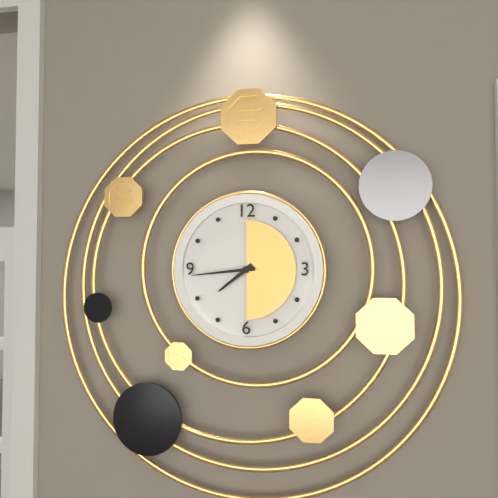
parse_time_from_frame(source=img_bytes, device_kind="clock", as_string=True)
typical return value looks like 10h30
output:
7h44
